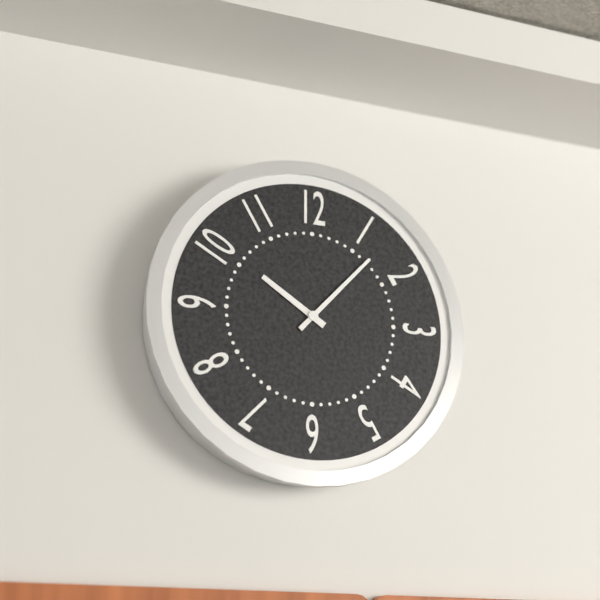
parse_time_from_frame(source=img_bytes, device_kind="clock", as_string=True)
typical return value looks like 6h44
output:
10h07
